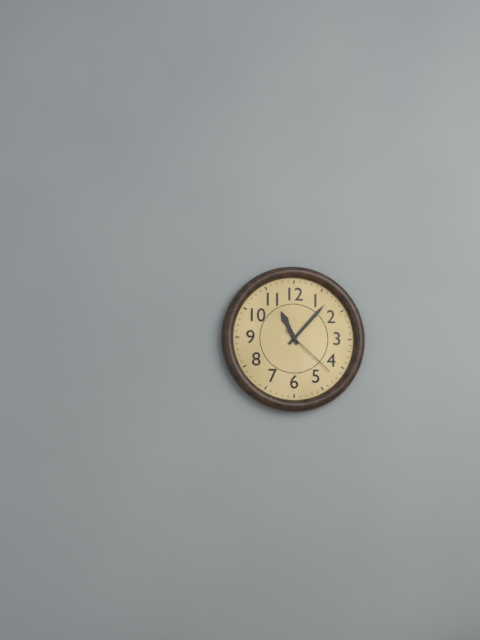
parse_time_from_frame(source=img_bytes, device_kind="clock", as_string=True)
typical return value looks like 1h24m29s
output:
11h07m22s
